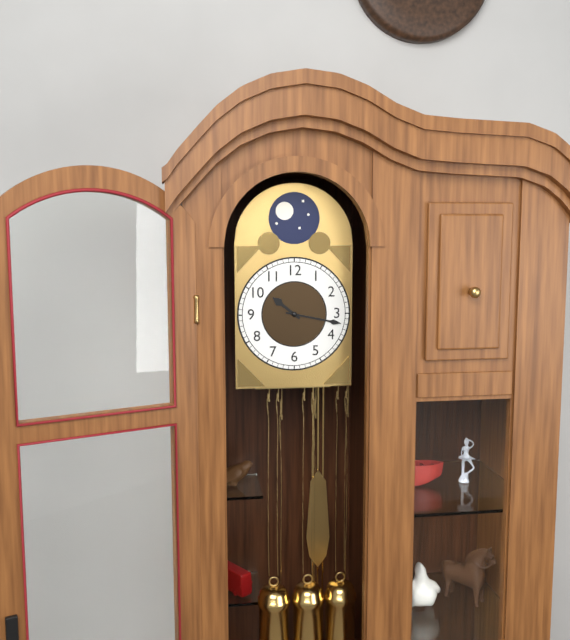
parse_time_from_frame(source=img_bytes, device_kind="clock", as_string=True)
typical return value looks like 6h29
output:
10h17
